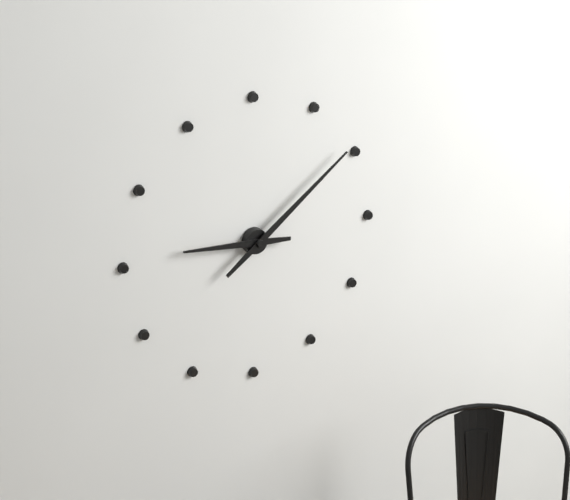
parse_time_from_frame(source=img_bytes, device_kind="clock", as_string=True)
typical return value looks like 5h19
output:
9h09
